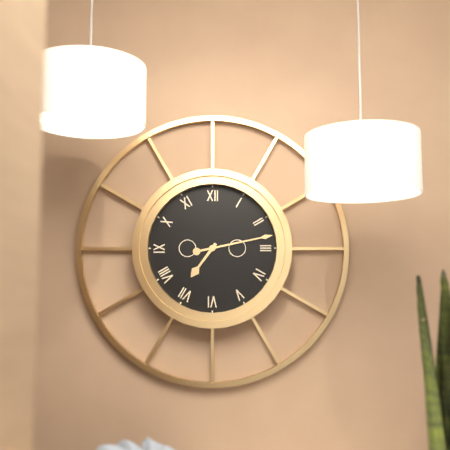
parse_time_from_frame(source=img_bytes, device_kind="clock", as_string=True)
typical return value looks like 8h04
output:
7h13
